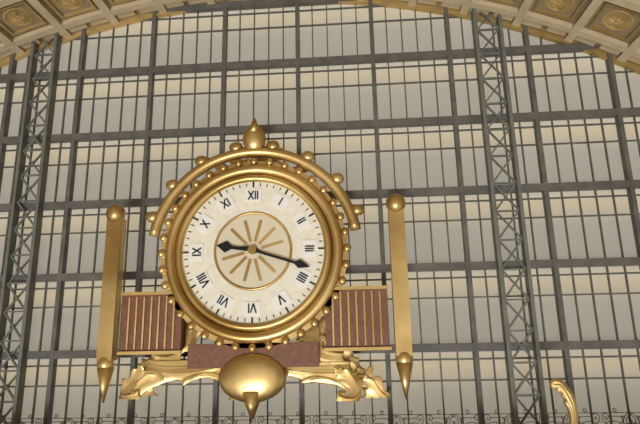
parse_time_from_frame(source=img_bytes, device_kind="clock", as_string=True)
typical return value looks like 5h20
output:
9h18
